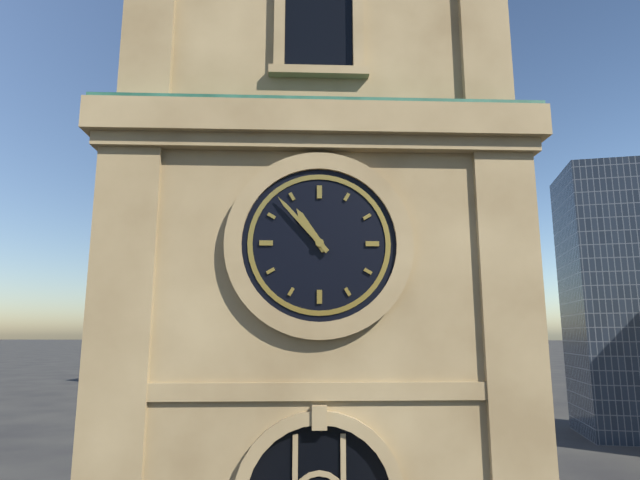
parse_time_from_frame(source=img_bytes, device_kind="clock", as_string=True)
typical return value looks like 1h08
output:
10h53
